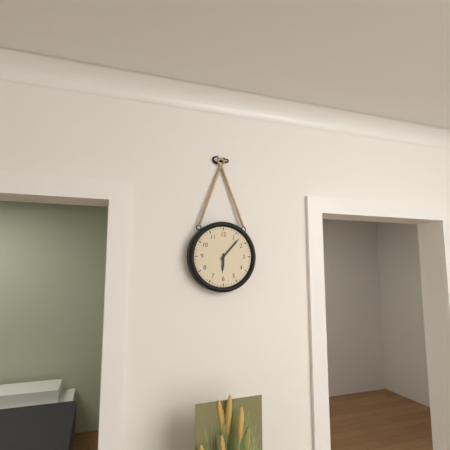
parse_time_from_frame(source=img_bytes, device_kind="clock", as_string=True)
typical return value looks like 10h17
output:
6h07
